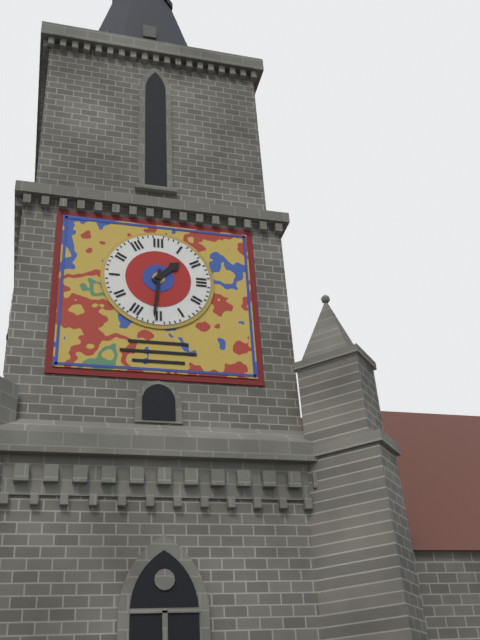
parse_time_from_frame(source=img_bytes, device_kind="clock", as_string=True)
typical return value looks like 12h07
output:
1h31
